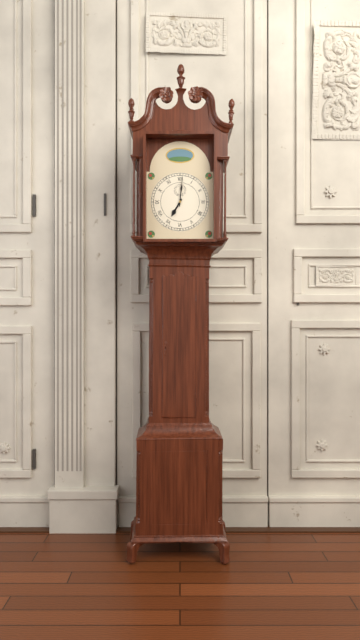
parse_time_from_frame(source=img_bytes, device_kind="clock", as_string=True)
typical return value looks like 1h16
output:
7h01
